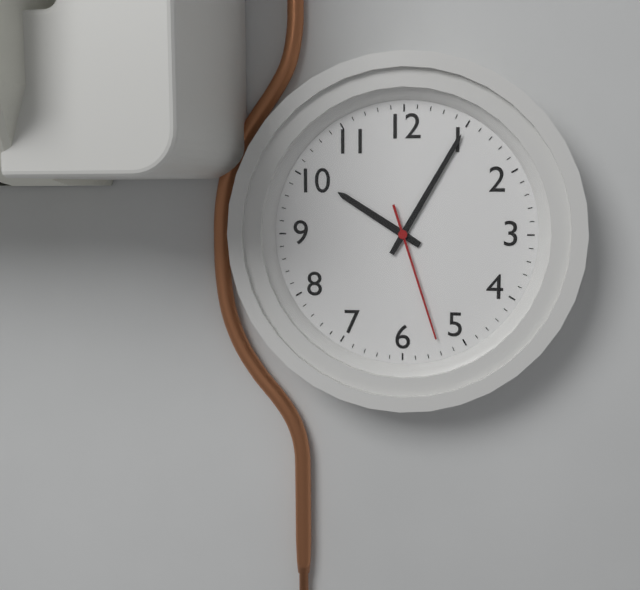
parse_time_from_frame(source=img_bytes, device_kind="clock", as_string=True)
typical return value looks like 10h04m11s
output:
10h05m27s
